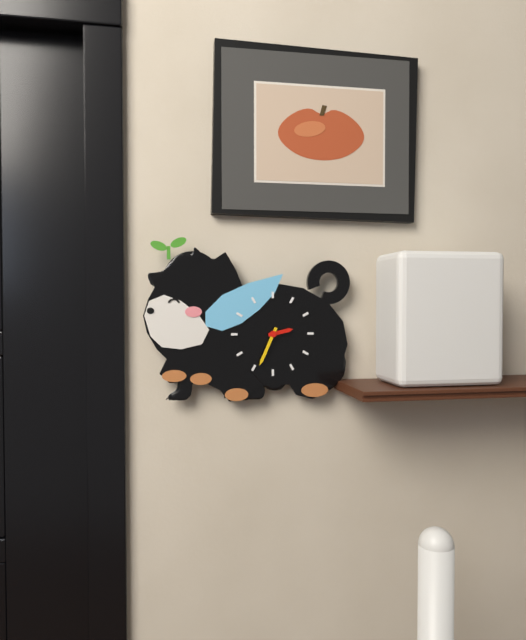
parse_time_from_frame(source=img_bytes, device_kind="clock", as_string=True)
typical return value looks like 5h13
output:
2h34
